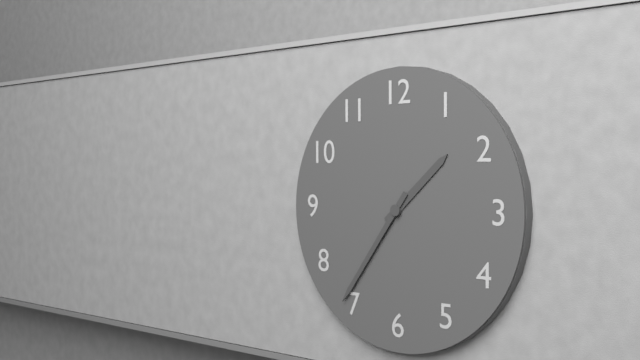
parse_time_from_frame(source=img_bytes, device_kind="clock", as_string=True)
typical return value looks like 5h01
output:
1h36
